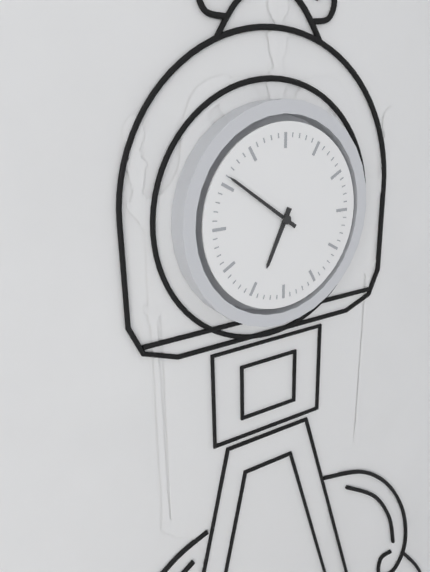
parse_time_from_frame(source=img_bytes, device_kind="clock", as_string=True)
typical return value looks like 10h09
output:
6h51
